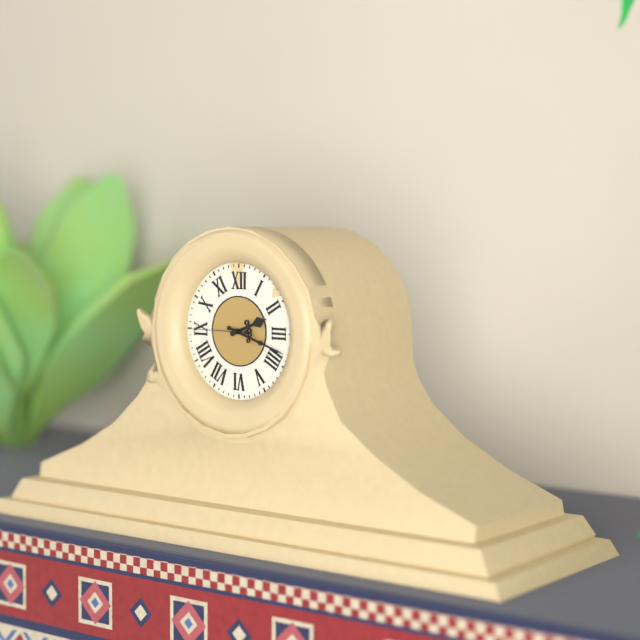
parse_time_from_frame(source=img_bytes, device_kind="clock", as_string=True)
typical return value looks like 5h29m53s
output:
2h18m45s
